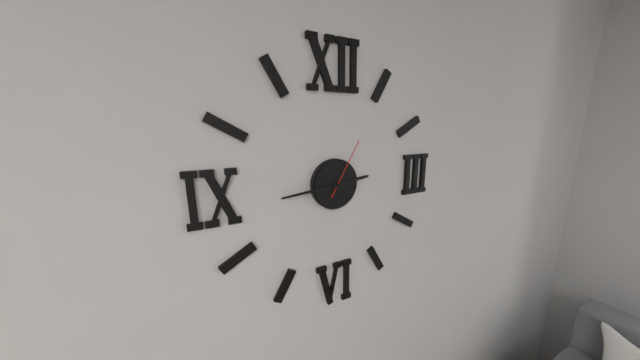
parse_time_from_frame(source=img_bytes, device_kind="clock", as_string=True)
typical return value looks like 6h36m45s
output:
2h44m05s
